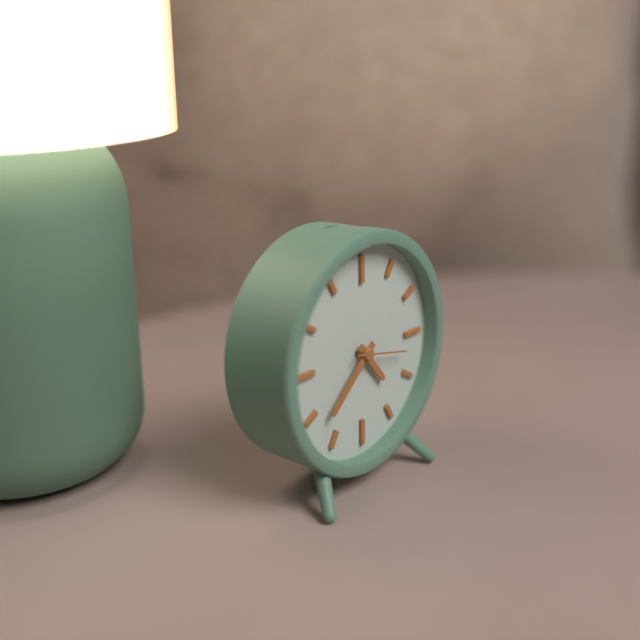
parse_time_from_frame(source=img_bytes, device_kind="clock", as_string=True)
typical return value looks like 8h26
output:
4h38
